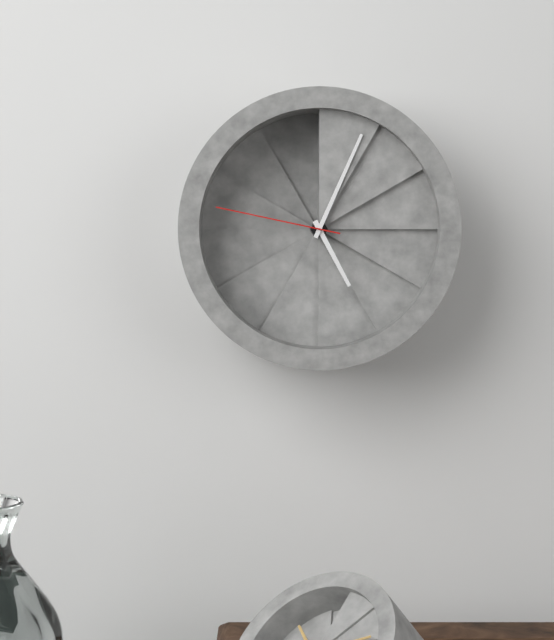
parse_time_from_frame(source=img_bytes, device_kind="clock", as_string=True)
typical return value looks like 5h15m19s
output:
5h04m47s
